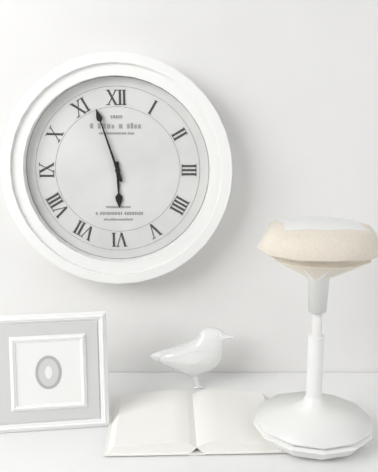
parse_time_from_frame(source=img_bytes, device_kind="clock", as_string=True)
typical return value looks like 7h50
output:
5h57
